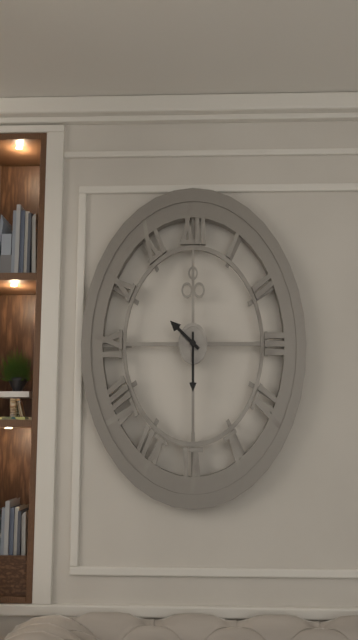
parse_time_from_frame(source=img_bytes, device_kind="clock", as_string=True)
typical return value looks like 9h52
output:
10h30
